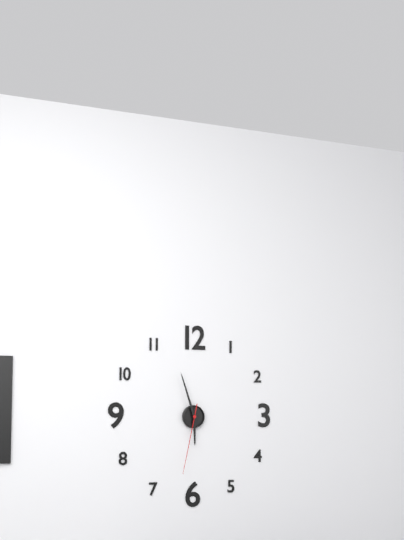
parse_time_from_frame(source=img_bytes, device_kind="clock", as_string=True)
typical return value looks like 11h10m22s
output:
5h57m32s
